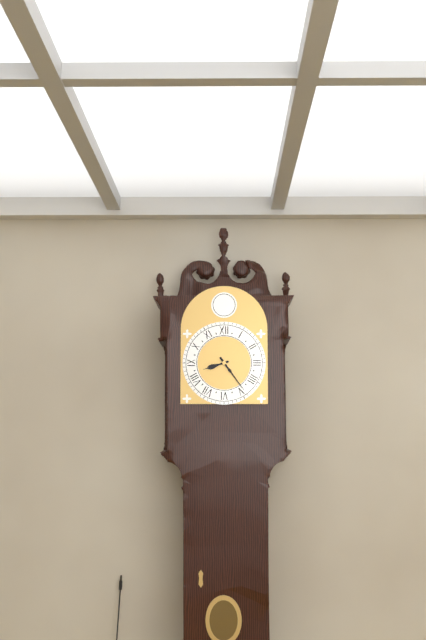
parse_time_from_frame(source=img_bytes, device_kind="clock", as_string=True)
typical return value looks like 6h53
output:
8h24
